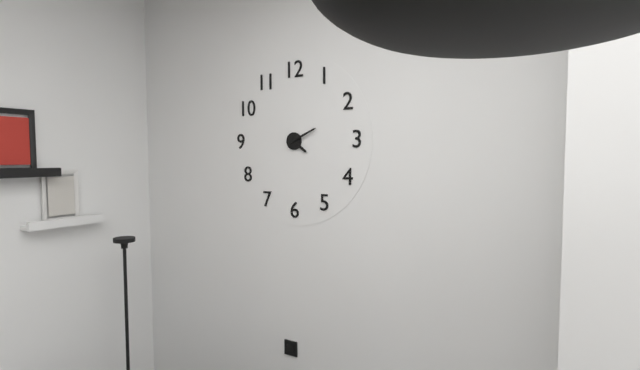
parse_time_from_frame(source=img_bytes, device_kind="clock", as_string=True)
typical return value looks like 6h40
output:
4h11
